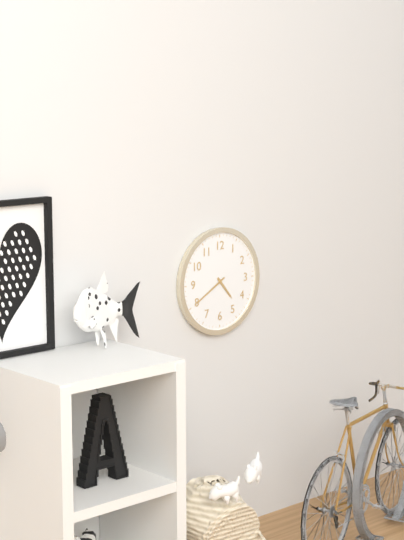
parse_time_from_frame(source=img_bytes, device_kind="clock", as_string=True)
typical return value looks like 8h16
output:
4h40
